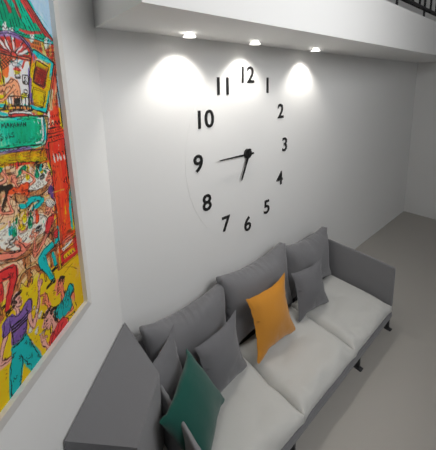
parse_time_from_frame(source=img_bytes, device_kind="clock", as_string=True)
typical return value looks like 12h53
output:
6h45
